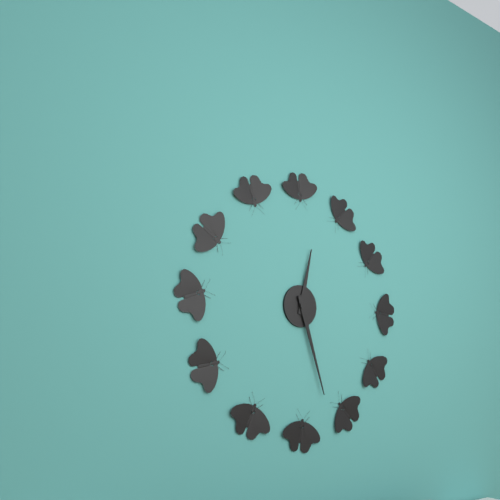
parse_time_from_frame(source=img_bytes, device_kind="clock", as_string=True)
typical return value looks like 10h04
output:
12h27
